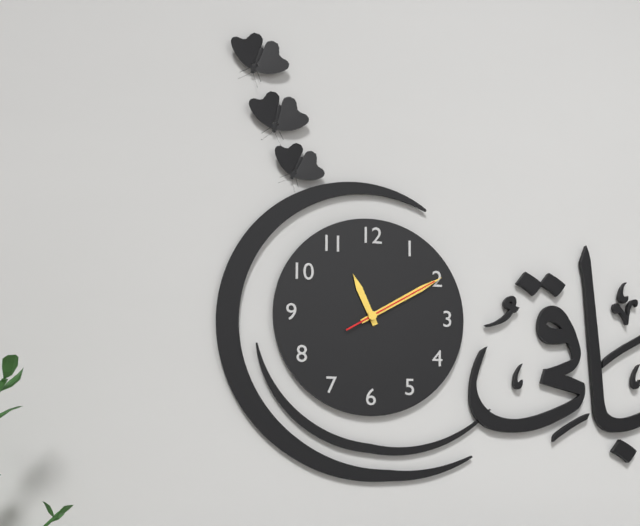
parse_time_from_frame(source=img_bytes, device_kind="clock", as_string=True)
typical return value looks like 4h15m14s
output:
11h10m10s
